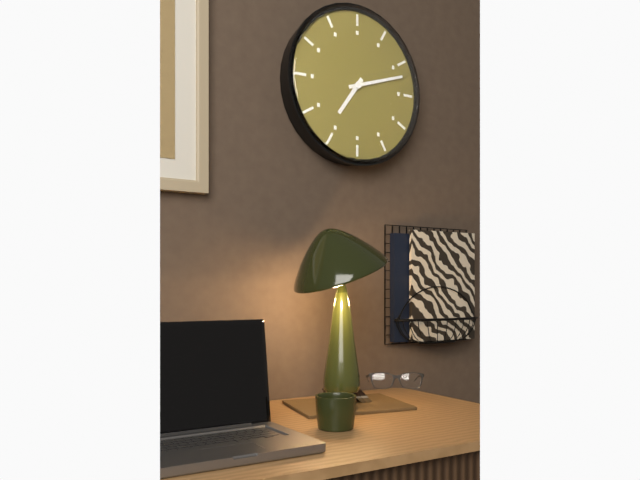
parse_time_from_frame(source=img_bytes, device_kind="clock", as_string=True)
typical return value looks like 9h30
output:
7h12
